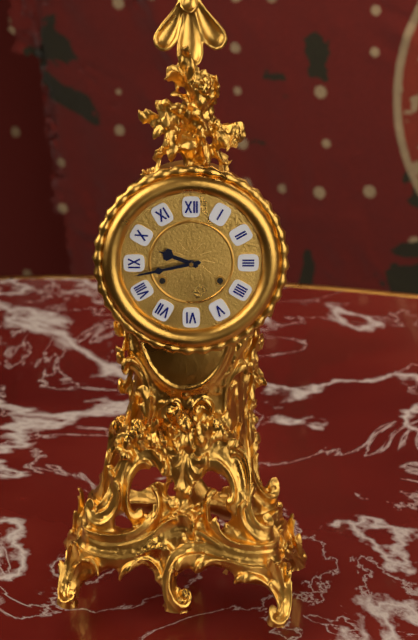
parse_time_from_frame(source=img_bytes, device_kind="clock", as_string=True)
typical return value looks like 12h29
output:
9h43
